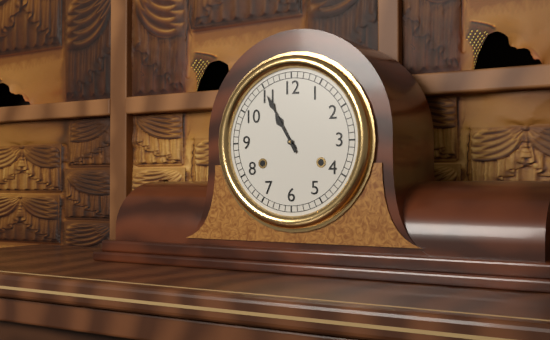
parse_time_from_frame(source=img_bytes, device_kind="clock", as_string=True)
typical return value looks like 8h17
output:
10h55
